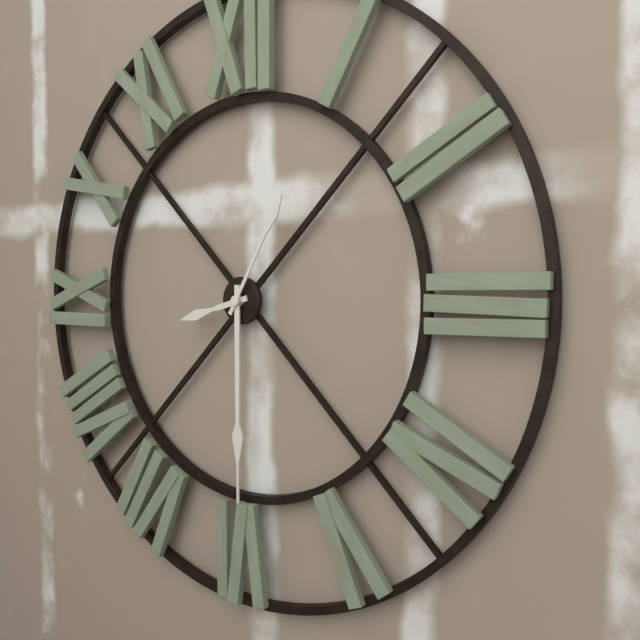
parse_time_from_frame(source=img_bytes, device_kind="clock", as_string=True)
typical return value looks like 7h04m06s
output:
8h30m05s
